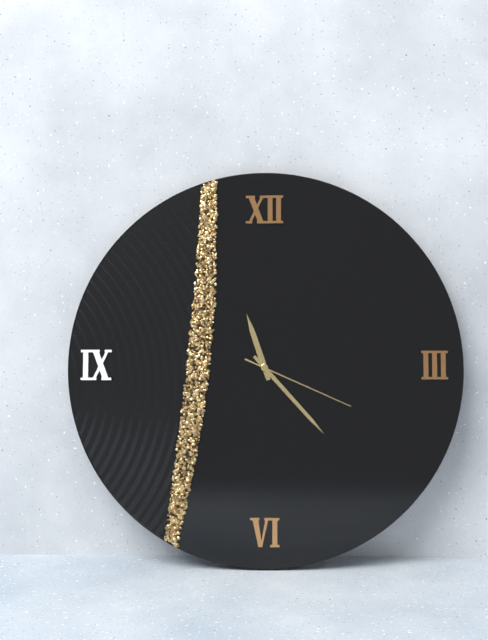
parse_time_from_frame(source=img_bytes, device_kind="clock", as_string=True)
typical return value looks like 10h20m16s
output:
11h23m19s
